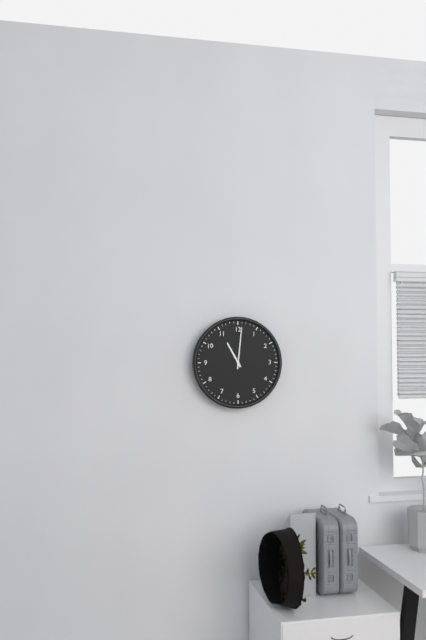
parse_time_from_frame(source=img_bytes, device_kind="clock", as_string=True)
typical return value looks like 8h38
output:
11h01
